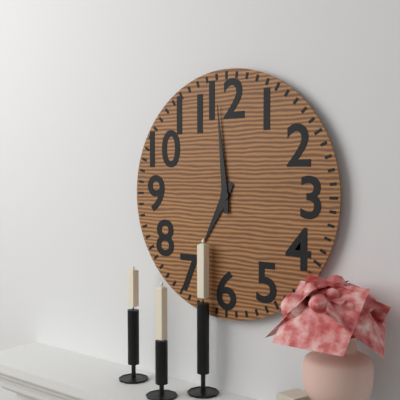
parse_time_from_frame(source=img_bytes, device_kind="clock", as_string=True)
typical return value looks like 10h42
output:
6h59
